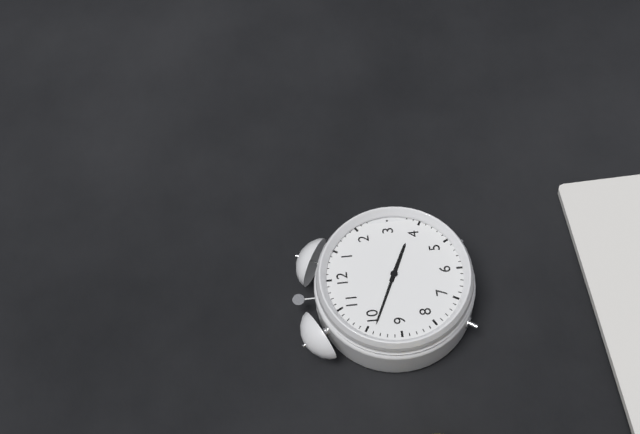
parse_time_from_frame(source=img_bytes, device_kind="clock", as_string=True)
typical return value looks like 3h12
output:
3h49
